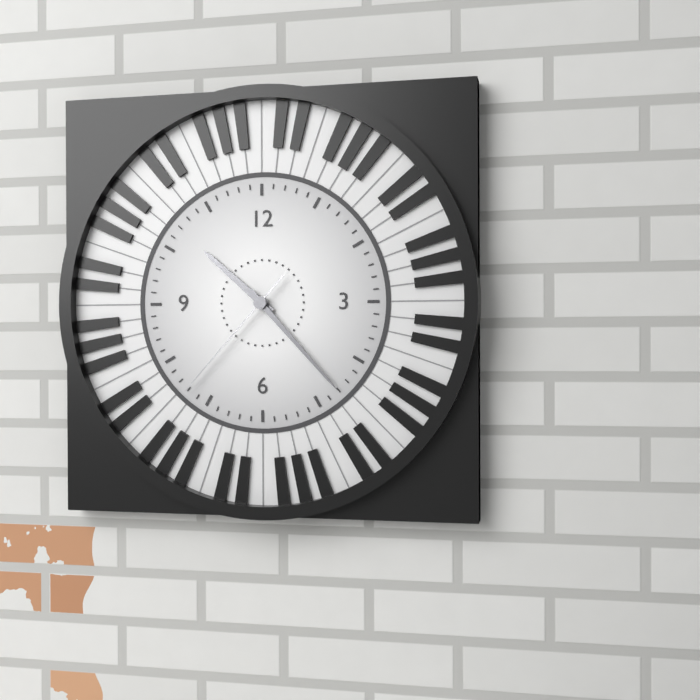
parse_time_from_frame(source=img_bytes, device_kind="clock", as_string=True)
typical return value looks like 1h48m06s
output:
10h23m37s
